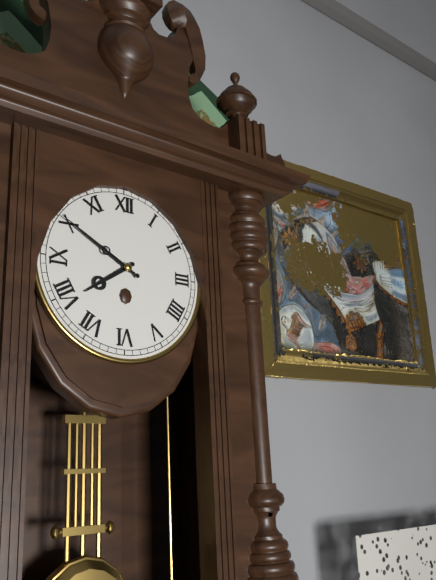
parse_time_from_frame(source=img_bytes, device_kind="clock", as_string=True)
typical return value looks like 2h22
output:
7h50
